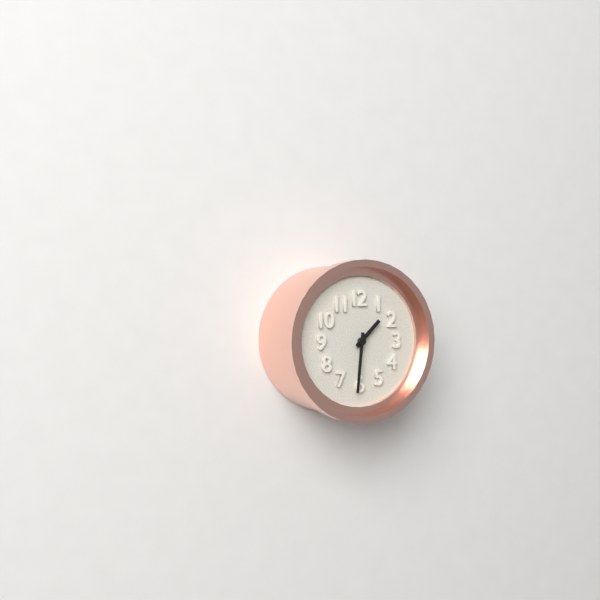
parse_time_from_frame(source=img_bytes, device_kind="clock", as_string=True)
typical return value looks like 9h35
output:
1h31
